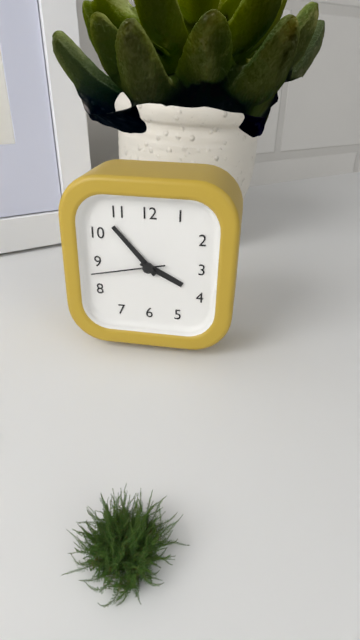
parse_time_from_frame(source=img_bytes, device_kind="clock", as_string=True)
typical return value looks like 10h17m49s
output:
3h53m43s
